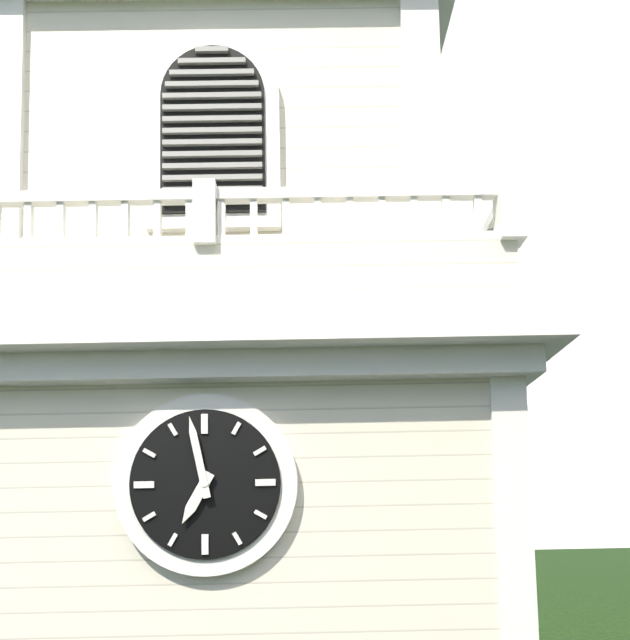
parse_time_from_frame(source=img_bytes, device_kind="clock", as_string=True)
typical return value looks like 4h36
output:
6h58
